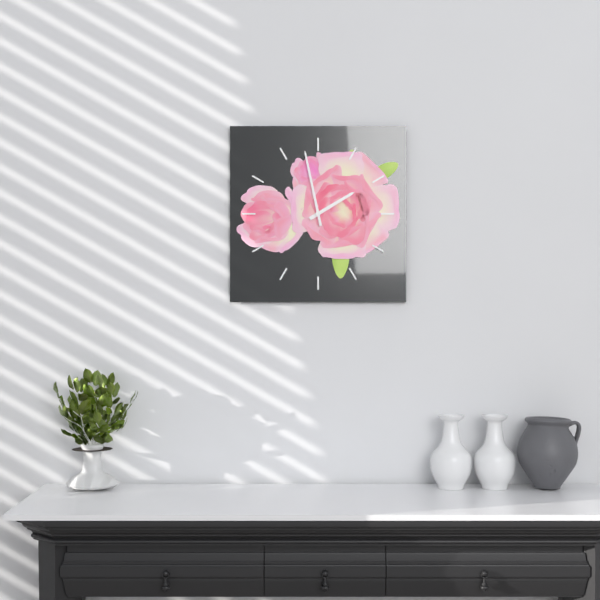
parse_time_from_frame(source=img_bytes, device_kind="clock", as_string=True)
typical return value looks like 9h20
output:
1h58
